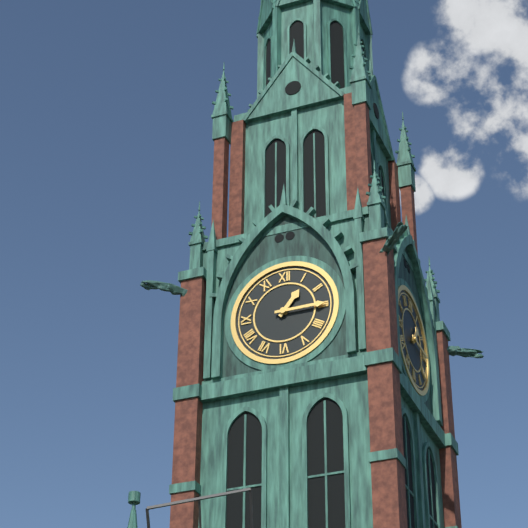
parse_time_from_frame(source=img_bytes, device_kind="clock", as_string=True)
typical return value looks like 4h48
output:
1h15
